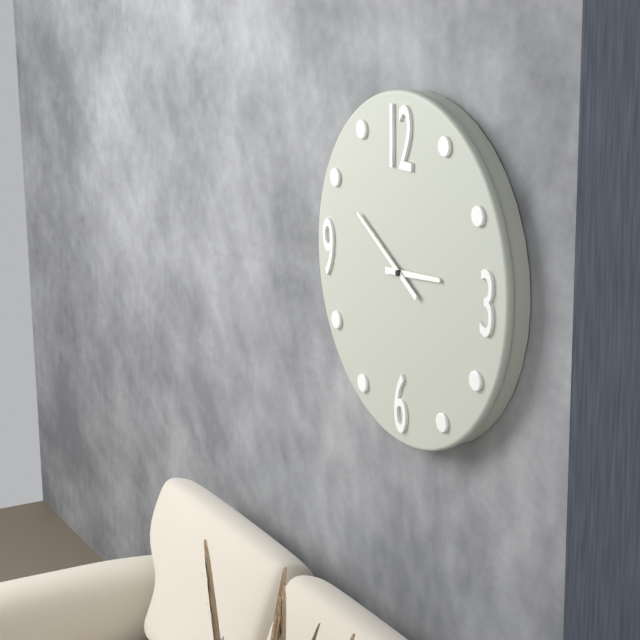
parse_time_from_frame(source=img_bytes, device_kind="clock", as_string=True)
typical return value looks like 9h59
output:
2h50
